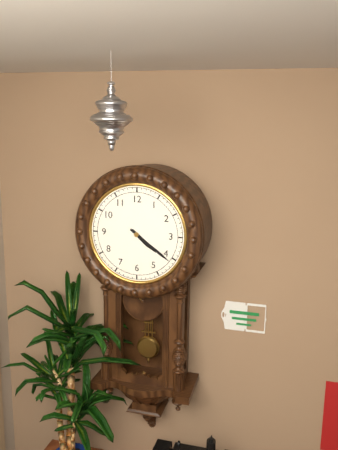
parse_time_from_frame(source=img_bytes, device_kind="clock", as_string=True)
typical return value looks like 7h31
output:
4h21
